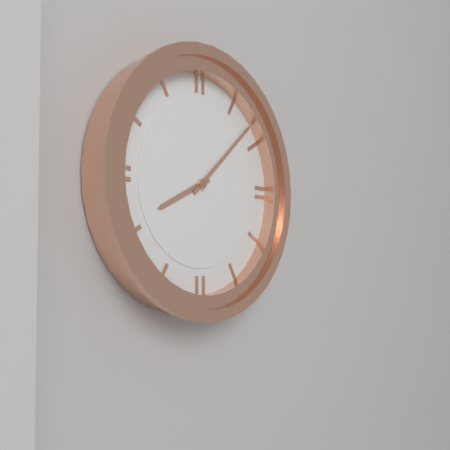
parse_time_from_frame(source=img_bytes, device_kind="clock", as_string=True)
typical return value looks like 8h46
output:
8h08
